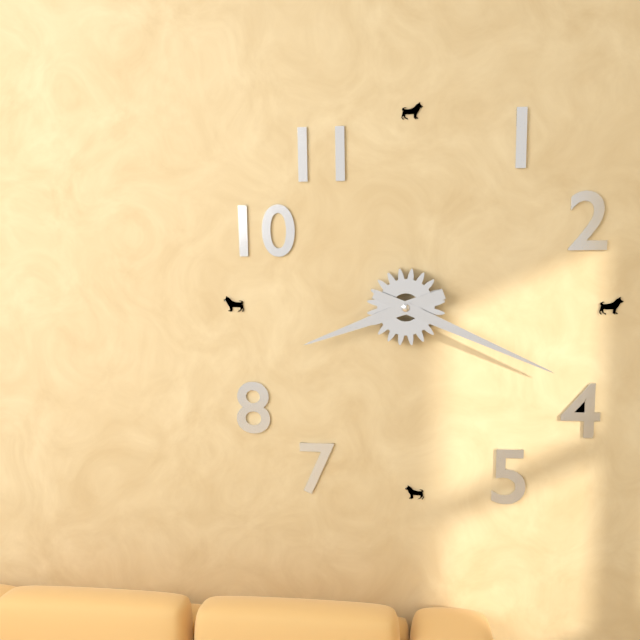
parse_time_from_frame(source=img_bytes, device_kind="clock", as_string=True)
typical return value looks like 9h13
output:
8h19
